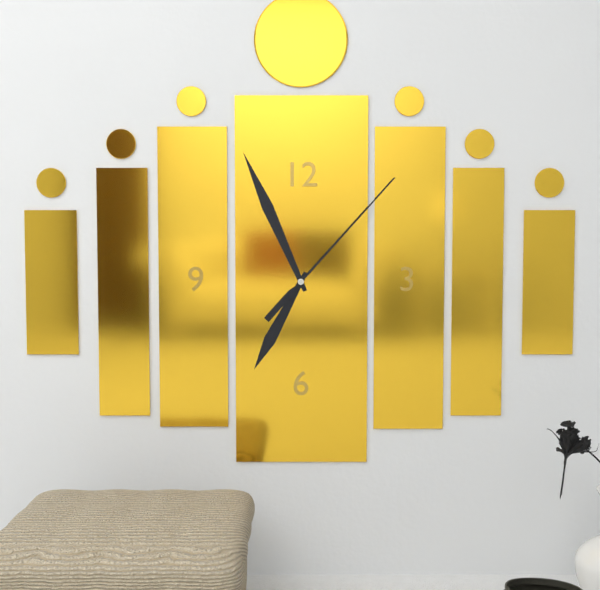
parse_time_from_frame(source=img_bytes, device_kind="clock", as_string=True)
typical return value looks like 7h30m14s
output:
6h56m07s
